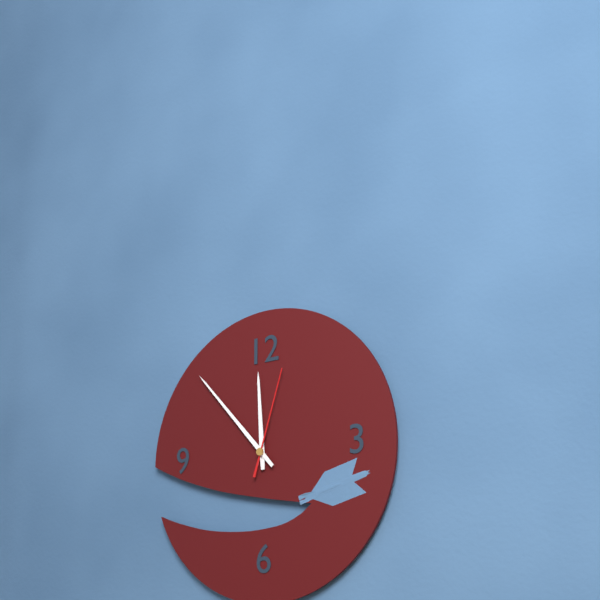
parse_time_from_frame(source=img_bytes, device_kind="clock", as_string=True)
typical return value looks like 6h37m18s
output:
11h53m03s
